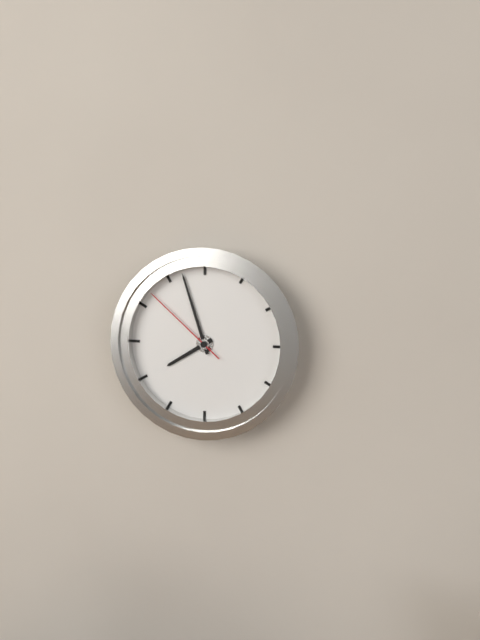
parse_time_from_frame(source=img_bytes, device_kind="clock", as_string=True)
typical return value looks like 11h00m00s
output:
7h57m52s
